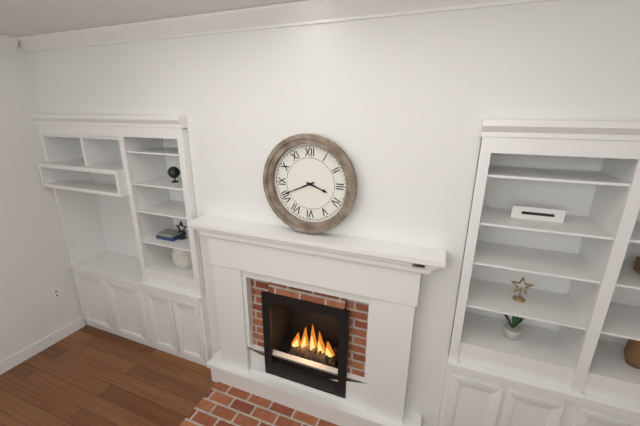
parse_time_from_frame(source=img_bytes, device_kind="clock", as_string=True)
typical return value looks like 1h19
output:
3h41
